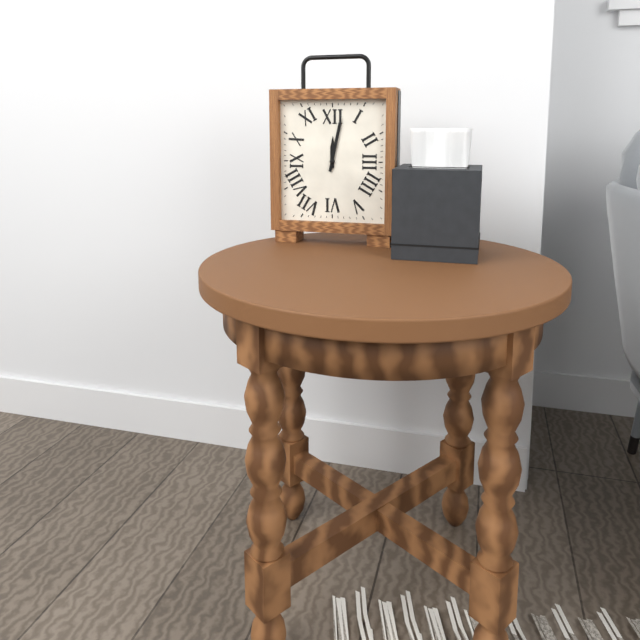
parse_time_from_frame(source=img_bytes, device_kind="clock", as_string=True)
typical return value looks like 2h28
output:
12h02
